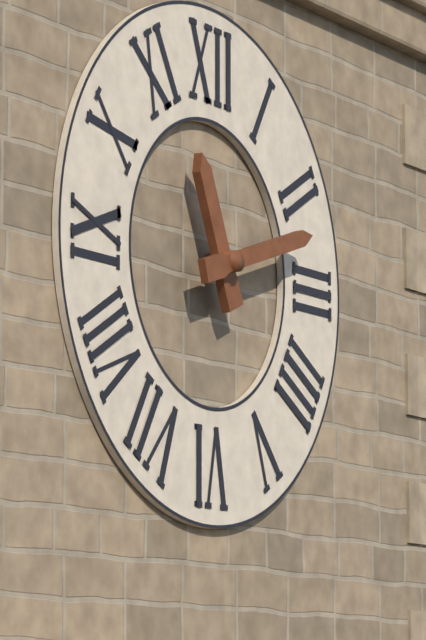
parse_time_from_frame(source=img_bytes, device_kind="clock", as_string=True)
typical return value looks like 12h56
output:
11h12
